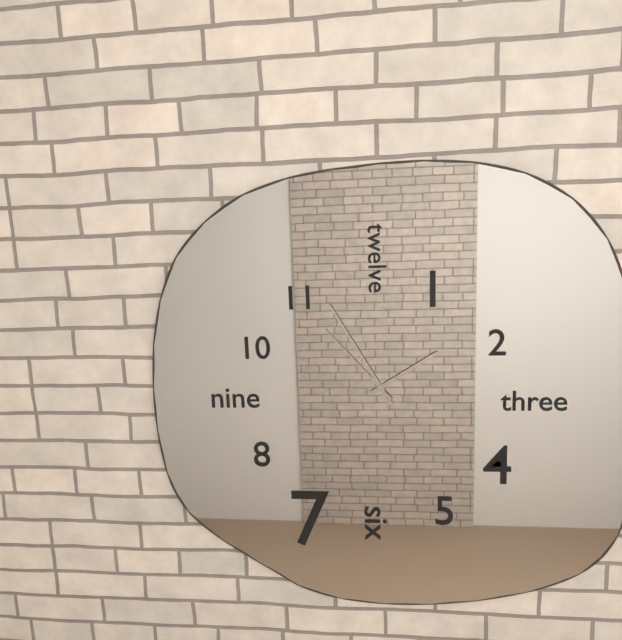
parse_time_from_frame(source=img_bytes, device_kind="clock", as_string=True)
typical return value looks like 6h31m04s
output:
1h55m53s
